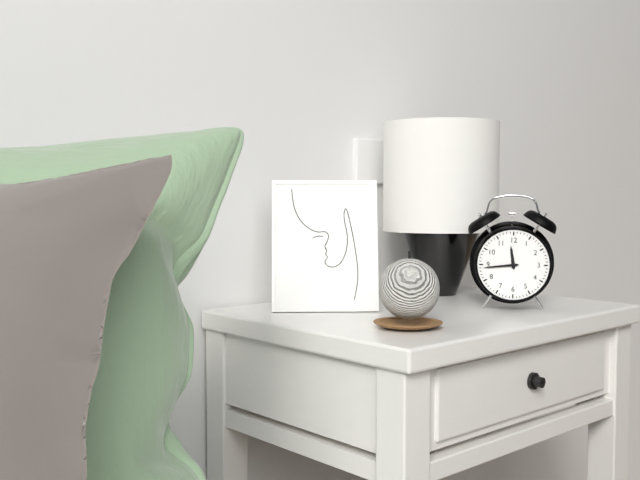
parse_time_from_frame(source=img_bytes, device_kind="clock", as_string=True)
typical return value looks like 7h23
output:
11h44
